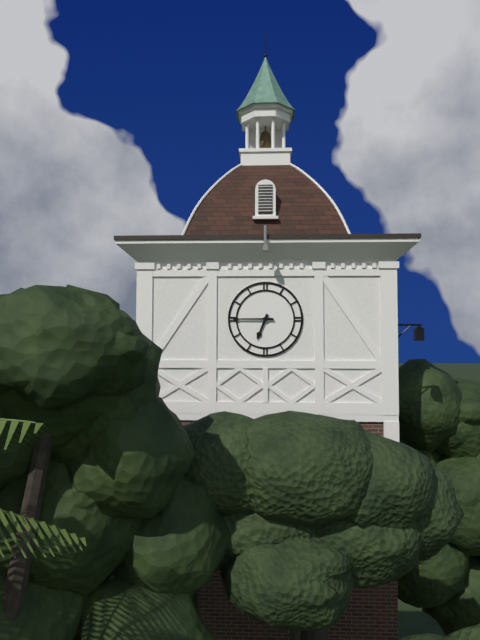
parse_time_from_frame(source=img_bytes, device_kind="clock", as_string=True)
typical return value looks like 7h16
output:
6h45
